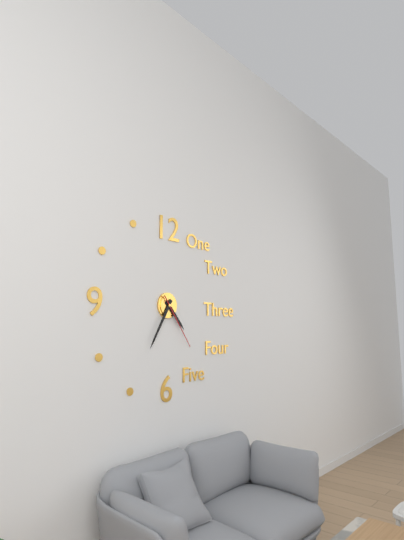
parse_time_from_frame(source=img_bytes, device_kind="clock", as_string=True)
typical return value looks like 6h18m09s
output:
4h35m24s
